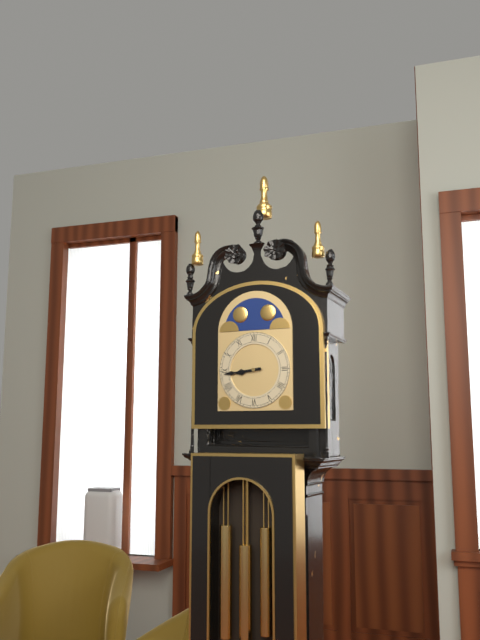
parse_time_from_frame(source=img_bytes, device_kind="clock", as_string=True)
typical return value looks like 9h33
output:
8h44
